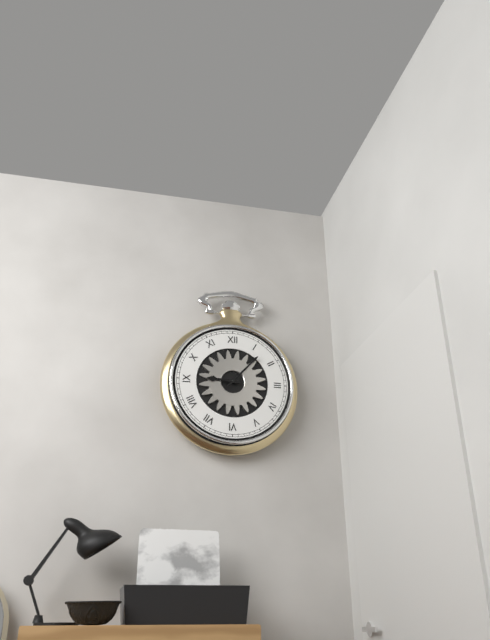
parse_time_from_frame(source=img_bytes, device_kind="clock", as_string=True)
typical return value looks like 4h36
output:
9h07
